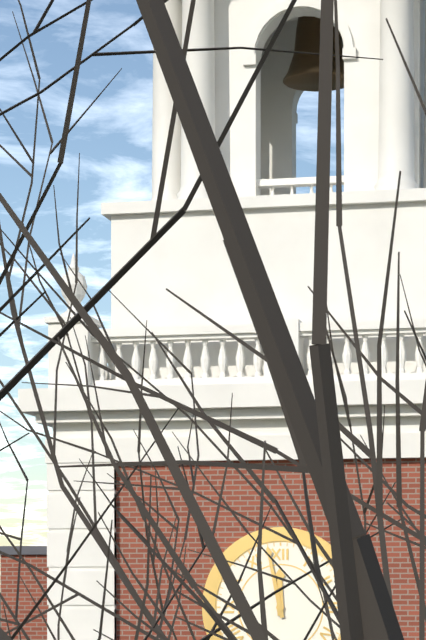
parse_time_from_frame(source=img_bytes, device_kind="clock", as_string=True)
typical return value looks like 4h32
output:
11h58
